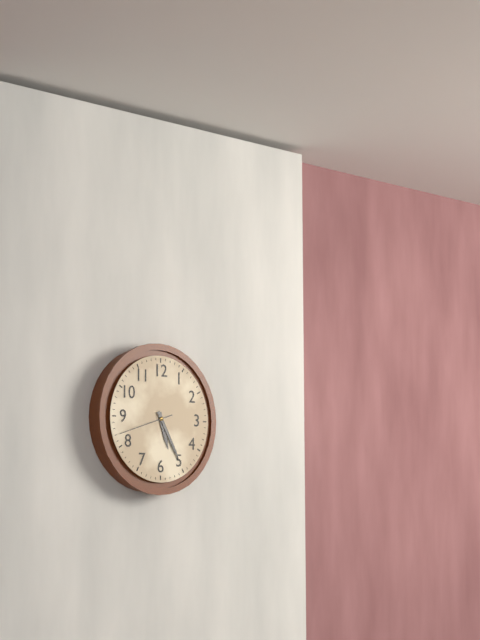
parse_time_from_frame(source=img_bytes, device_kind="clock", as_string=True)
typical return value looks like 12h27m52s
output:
5h25m42s
